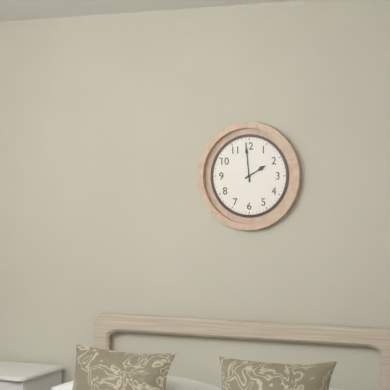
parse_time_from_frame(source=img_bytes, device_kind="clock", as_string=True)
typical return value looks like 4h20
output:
1h59
